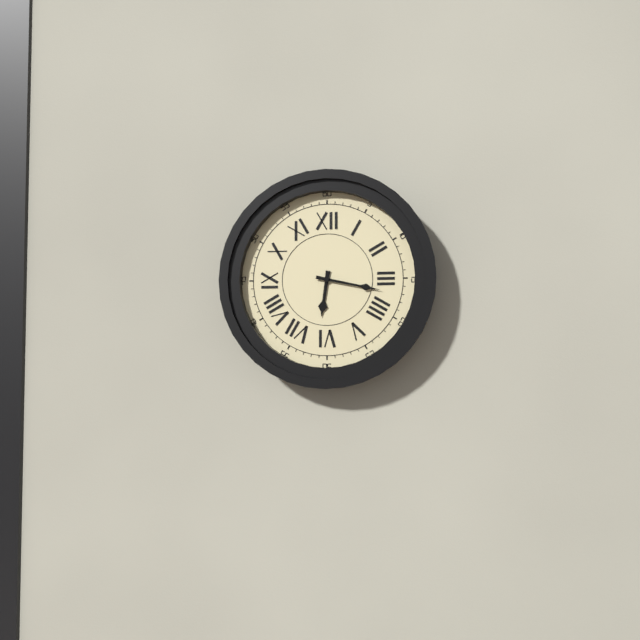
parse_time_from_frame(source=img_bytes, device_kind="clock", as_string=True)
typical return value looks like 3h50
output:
6h17
